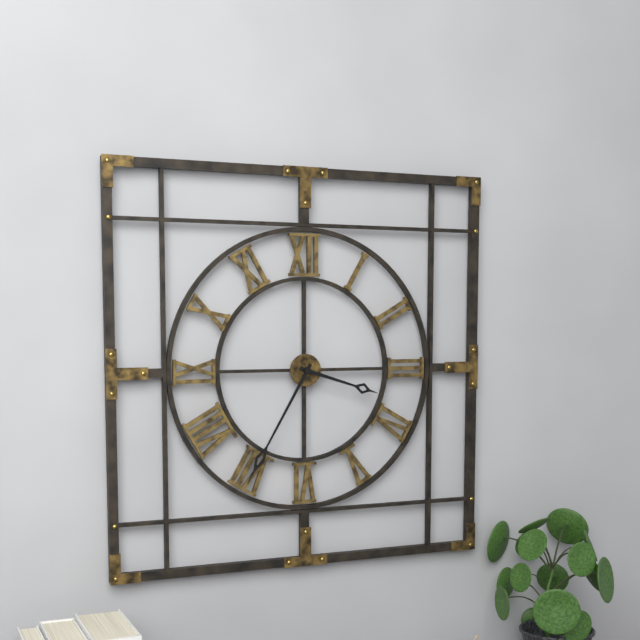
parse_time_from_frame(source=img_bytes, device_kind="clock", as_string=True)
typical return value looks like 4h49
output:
3h35
